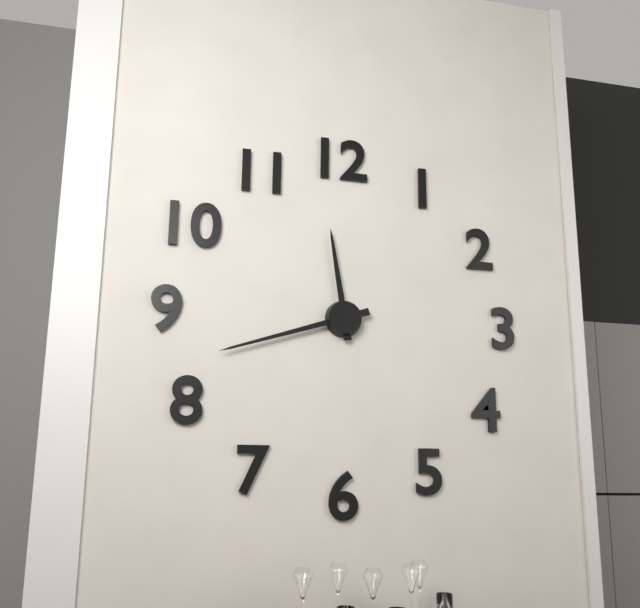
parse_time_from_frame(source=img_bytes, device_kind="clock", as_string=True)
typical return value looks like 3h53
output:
11h42
